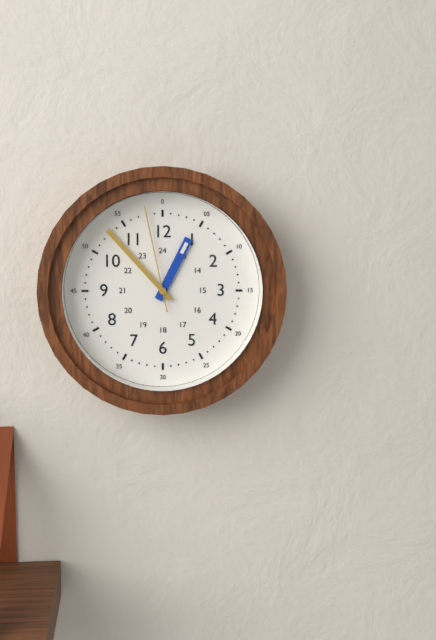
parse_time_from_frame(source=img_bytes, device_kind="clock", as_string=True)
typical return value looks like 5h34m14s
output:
12h53m58s
